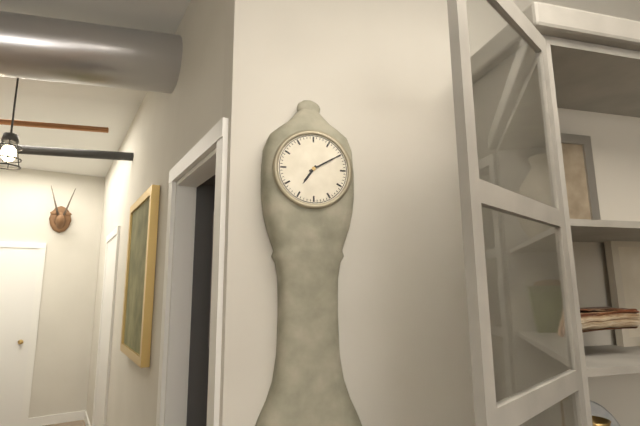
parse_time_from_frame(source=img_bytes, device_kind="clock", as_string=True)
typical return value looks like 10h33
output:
7h10
